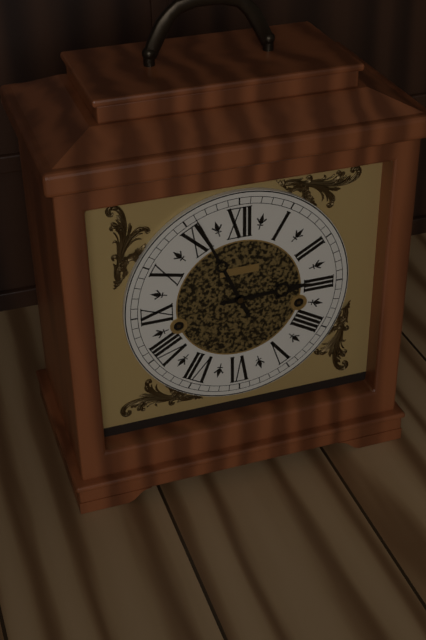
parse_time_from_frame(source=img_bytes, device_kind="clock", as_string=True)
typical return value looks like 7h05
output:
2h56
